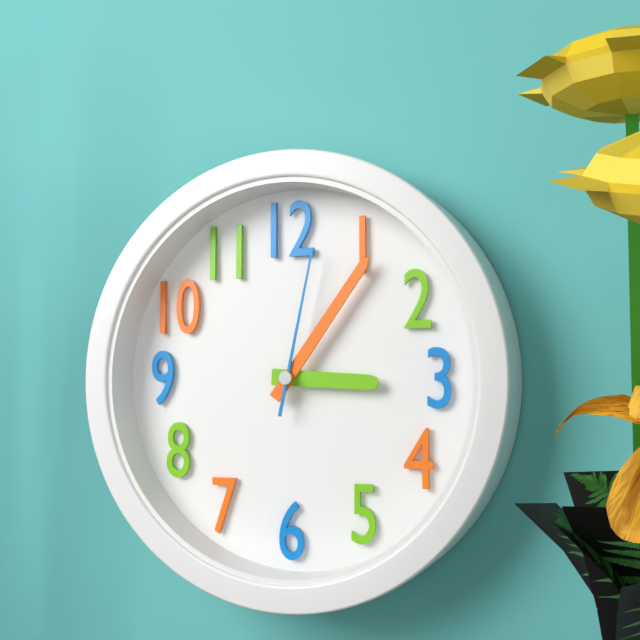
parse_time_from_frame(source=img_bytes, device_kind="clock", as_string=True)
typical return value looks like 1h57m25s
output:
3h06m02s
